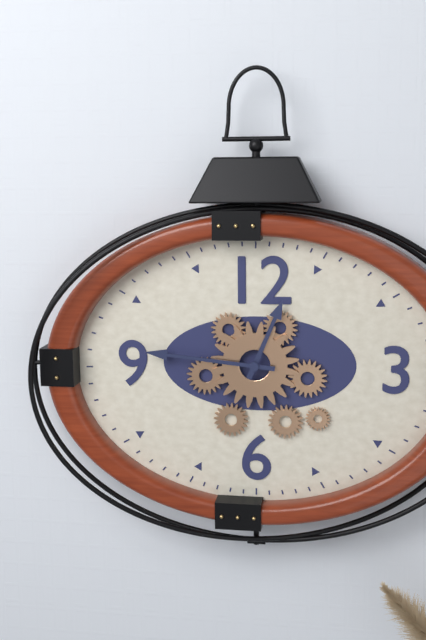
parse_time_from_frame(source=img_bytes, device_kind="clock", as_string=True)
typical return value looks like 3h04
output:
12h46
